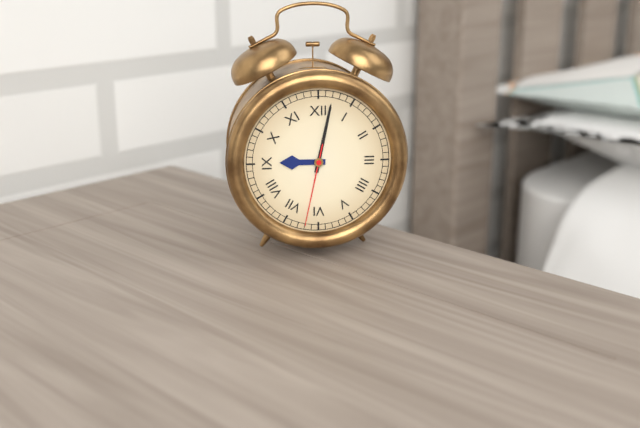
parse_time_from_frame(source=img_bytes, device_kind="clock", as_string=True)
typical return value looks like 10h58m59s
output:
9h02m32s
